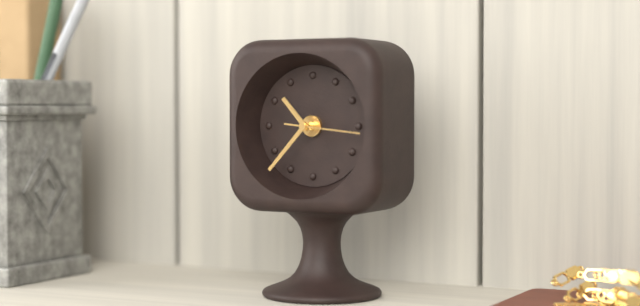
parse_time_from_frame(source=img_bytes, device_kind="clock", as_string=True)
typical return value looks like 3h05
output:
10h37
